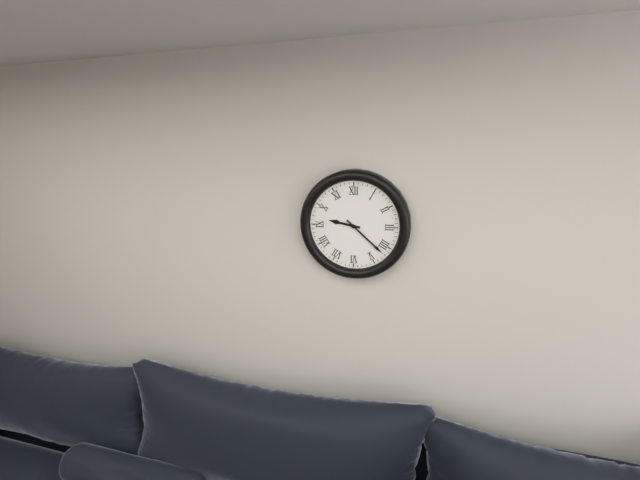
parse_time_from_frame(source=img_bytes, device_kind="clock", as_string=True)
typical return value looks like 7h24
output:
9h22
